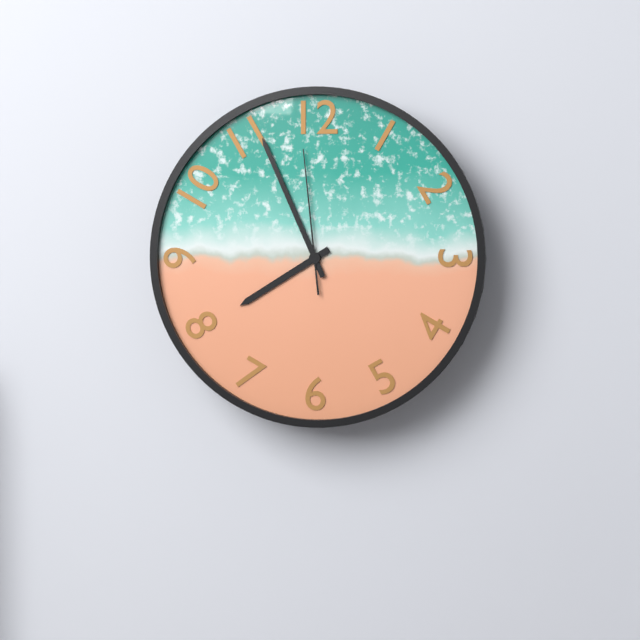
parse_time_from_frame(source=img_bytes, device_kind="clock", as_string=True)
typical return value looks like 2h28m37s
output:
7h56m59s
